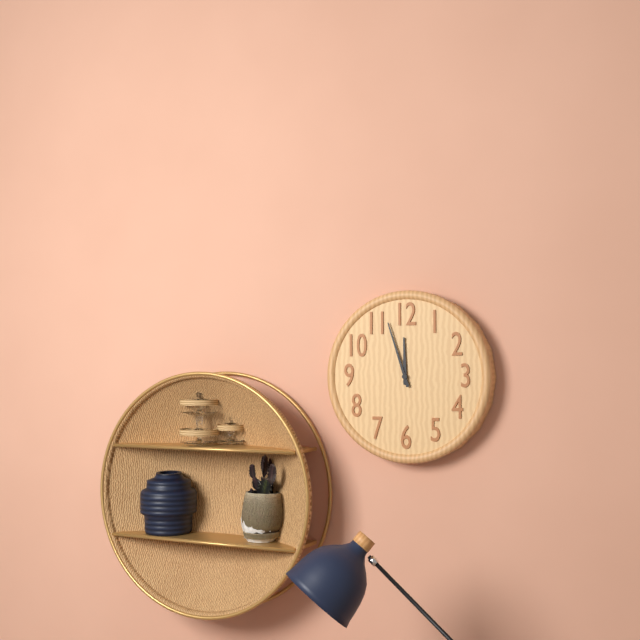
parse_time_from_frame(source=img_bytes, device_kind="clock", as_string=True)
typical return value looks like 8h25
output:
11h57
